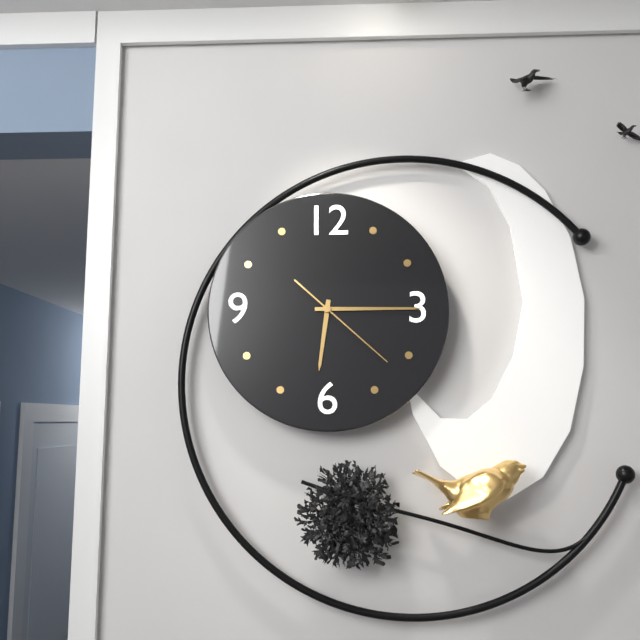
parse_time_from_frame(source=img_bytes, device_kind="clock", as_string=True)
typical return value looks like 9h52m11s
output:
6h15m22s
